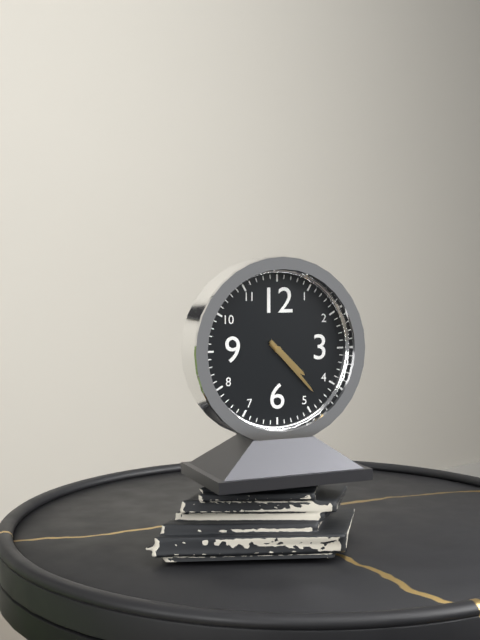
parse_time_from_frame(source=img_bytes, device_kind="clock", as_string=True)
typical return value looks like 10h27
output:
4h23
